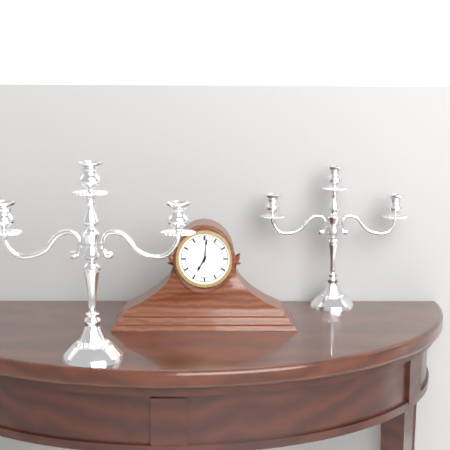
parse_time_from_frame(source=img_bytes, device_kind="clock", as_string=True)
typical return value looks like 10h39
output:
7h01
